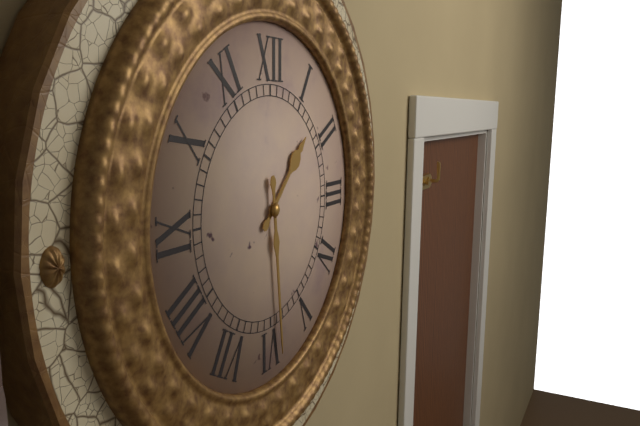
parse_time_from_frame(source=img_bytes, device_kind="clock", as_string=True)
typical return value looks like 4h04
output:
1h29
